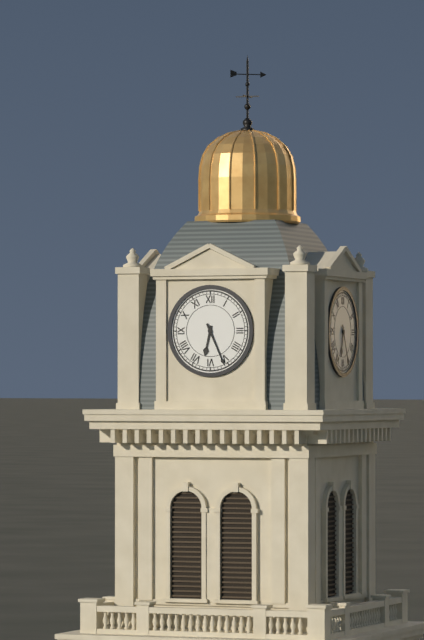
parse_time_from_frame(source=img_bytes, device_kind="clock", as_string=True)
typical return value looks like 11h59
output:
6h26
